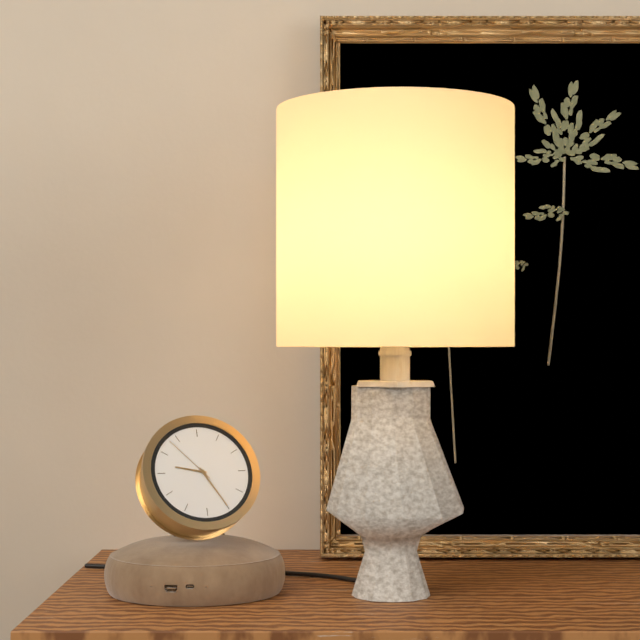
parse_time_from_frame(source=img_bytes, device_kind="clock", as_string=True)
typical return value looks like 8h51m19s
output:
9h25m53s
